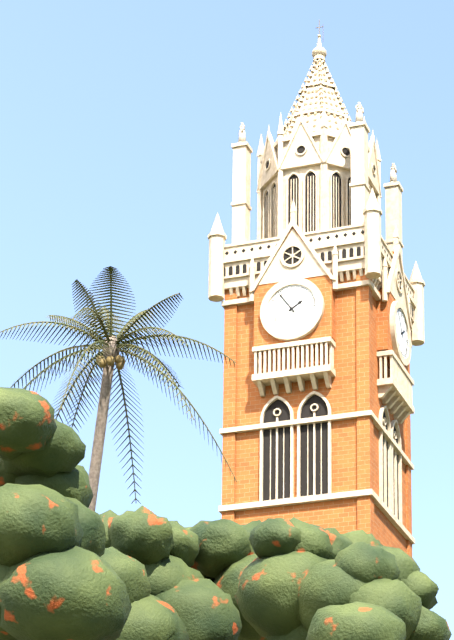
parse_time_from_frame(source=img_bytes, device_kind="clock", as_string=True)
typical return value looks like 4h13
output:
1h54
